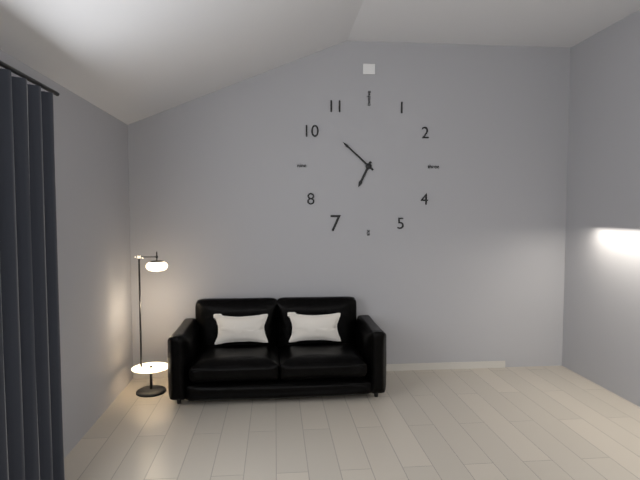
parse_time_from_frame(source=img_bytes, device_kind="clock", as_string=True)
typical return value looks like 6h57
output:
6h52
